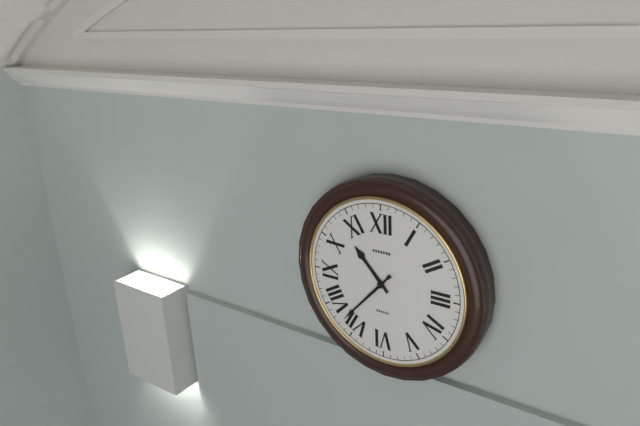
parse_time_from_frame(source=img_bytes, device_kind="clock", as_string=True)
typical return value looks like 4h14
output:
10h37
